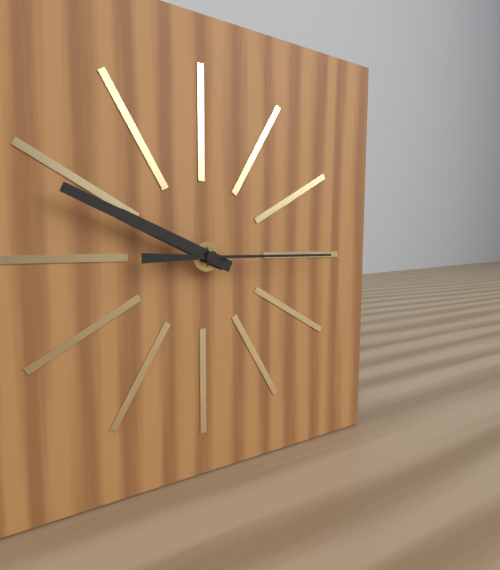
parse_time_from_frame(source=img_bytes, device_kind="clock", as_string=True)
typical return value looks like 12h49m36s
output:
9h49m15s
